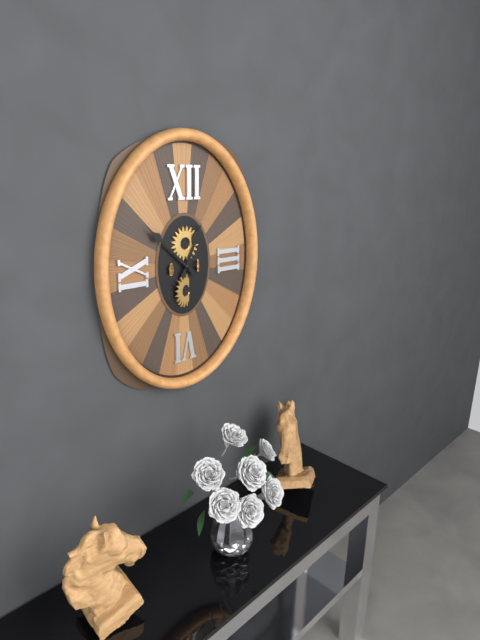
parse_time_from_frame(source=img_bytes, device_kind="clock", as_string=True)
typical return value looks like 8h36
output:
12h52
